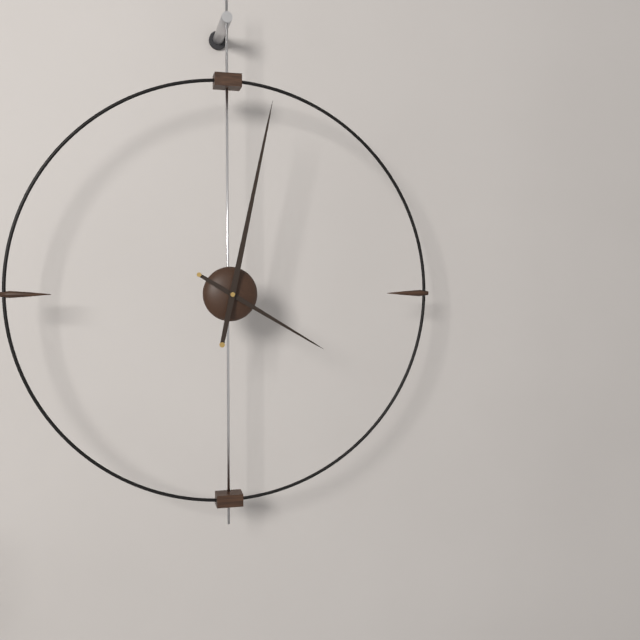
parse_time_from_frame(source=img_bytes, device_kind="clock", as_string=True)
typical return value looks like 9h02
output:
4h02
